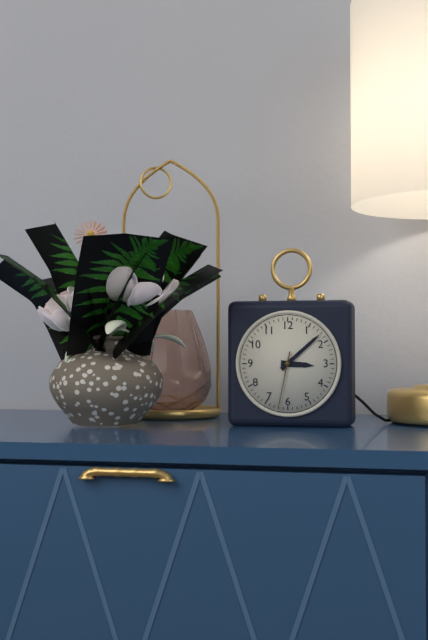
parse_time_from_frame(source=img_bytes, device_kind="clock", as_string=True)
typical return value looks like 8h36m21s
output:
3h08m32s
